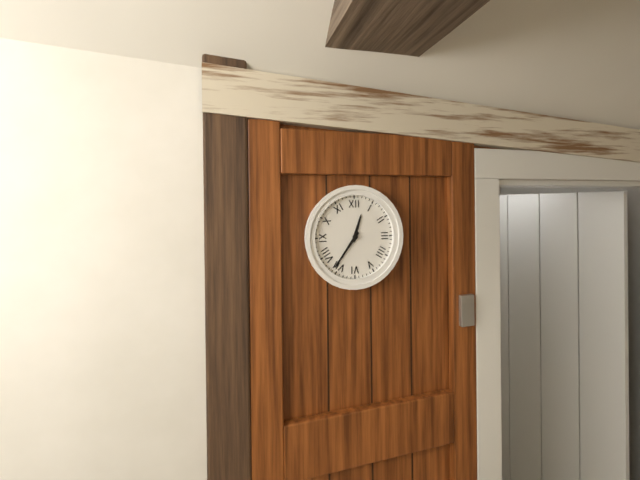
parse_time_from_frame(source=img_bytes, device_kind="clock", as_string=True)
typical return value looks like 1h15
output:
12h36
